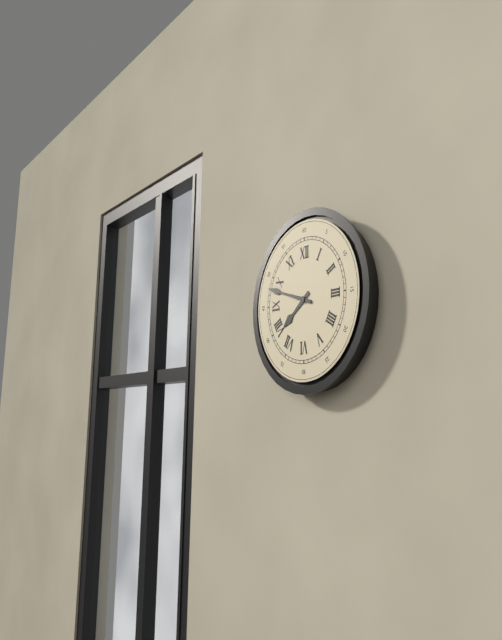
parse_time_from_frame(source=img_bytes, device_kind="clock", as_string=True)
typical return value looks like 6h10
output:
7h48
